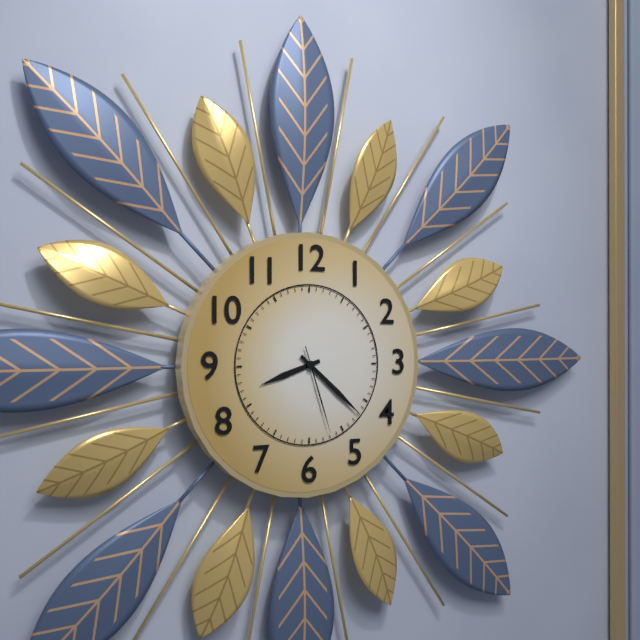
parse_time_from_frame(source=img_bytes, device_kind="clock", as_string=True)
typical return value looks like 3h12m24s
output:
8h22m27s
